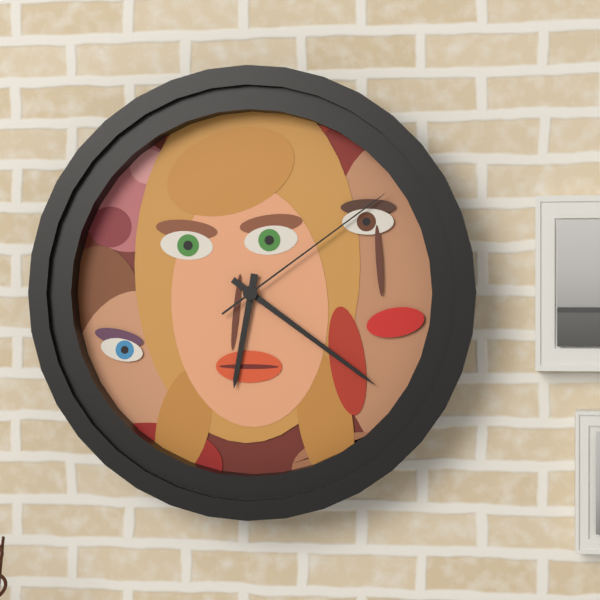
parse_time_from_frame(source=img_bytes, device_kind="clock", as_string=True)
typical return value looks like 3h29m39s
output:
6h21m09s
